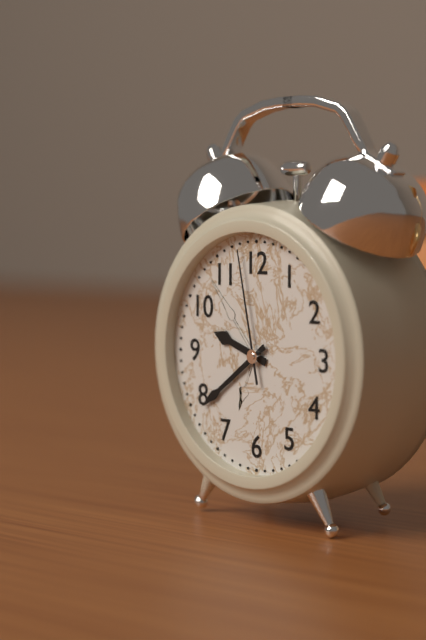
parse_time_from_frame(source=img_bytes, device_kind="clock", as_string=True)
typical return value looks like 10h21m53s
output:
9h39m58s
